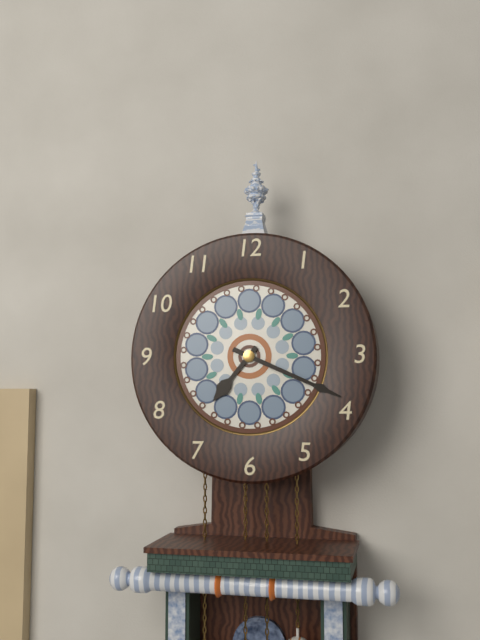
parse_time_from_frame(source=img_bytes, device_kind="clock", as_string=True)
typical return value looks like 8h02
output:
7h19
